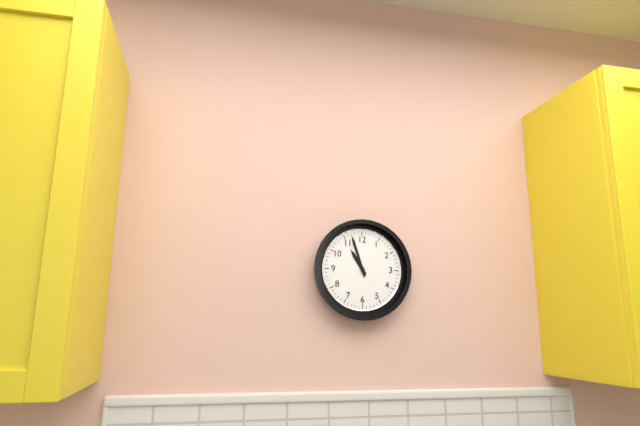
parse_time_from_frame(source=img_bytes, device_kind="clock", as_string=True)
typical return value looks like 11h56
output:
10h57
